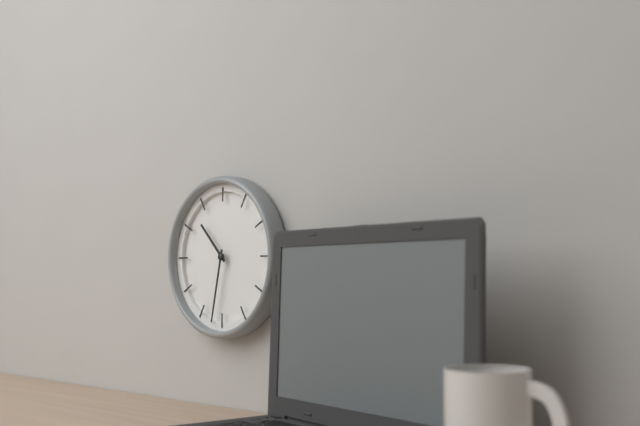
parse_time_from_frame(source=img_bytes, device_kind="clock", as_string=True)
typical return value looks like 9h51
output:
10h32
